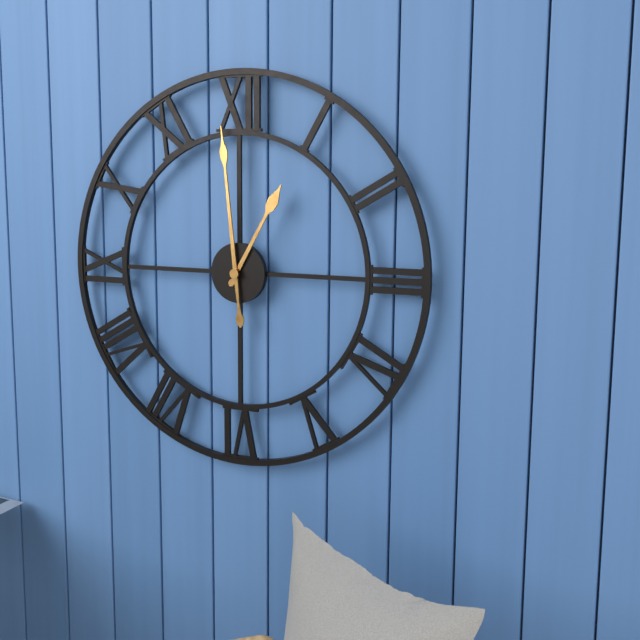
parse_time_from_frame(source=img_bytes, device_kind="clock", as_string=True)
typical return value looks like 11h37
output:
12h59
